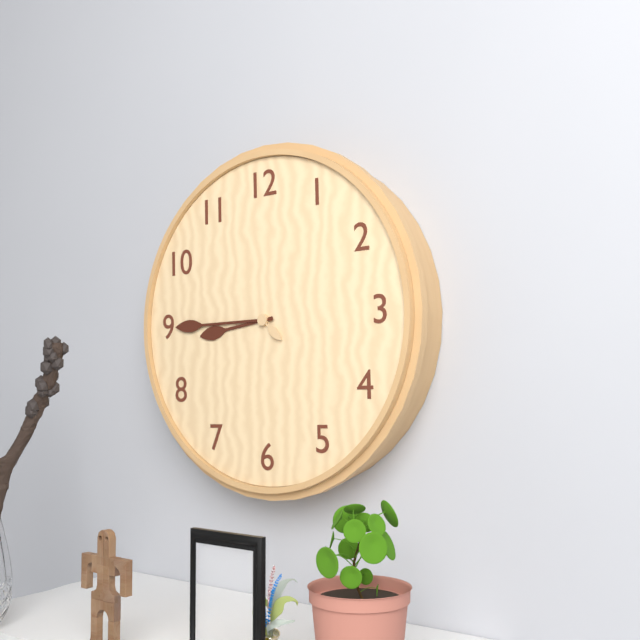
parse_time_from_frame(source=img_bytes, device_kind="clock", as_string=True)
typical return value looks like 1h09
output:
8h45
